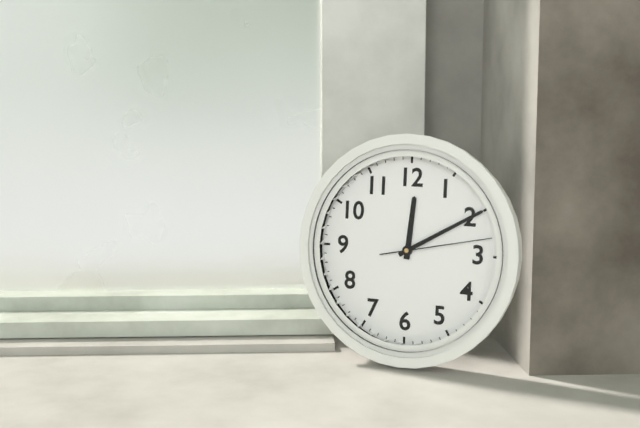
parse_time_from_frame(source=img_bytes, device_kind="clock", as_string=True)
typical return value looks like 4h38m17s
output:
12h10m13s
